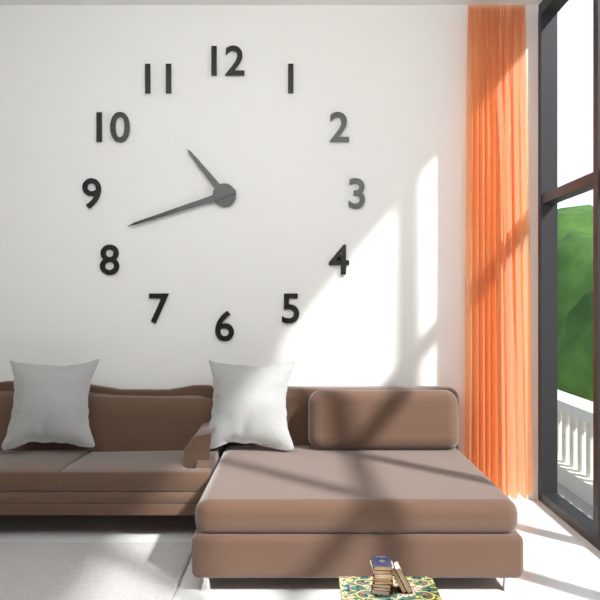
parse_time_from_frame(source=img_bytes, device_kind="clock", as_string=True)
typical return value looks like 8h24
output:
10h42
